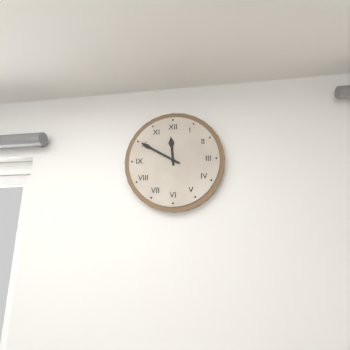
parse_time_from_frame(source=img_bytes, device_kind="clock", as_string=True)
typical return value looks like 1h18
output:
11h50
